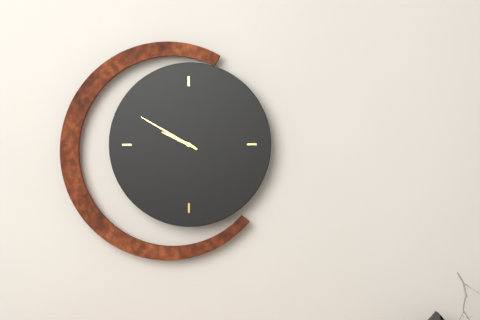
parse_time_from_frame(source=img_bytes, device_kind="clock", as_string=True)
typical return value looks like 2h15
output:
9h50
